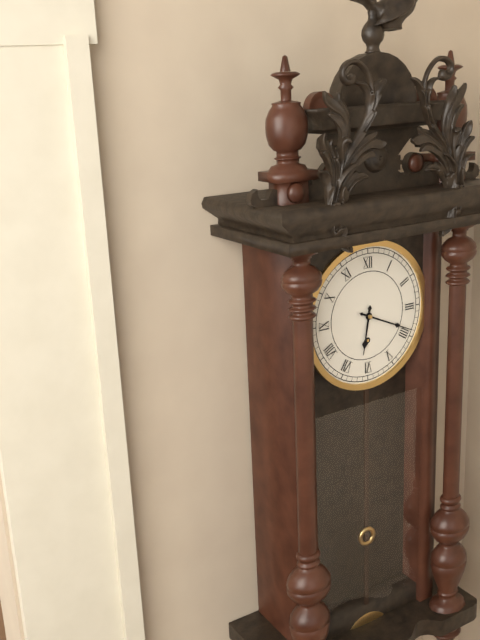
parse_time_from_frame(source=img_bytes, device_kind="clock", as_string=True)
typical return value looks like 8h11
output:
6h19
